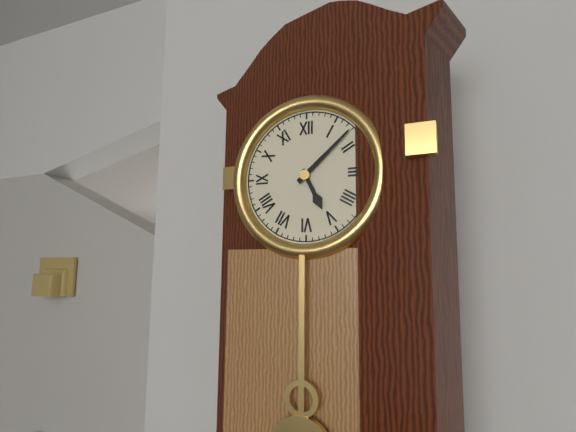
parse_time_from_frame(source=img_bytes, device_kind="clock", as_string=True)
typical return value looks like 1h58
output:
5h08
